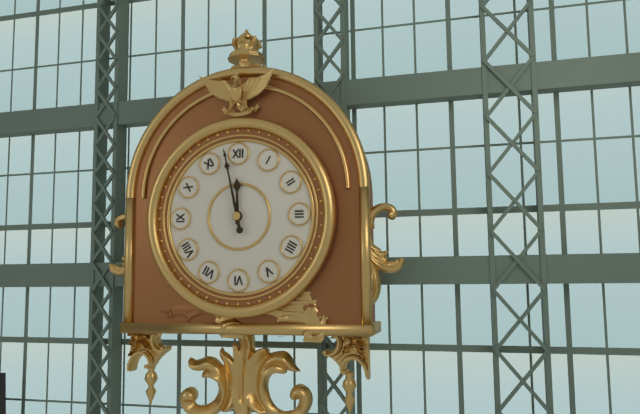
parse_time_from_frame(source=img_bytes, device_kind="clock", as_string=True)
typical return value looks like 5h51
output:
11h58
